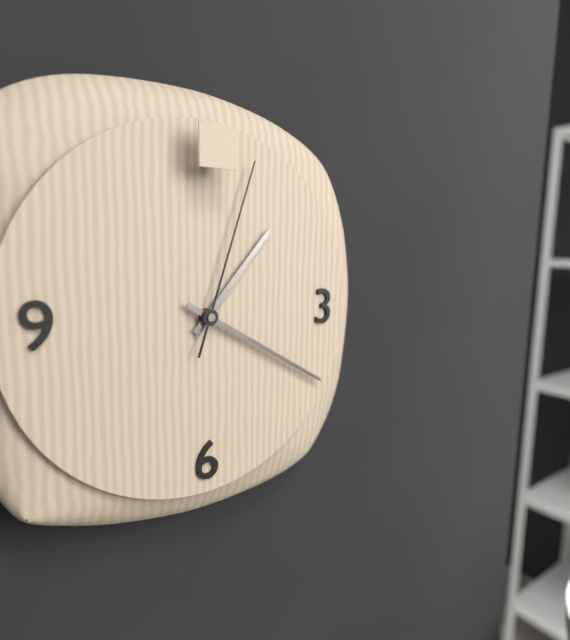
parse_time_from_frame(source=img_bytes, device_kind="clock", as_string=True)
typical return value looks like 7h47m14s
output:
1h20m03s
